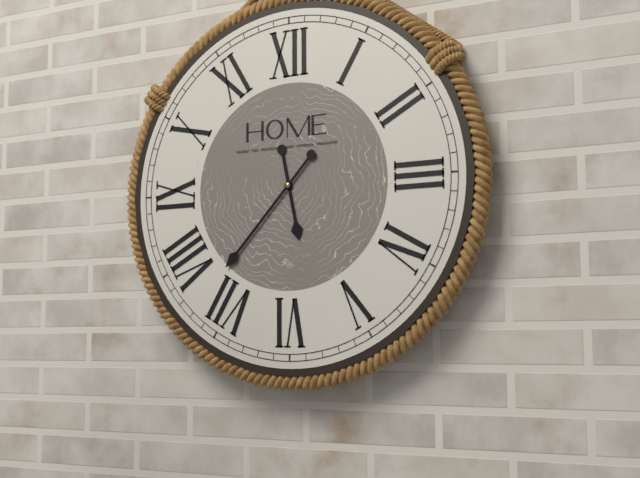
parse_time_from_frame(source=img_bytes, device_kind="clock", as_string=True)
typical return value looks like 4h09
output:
5h37
